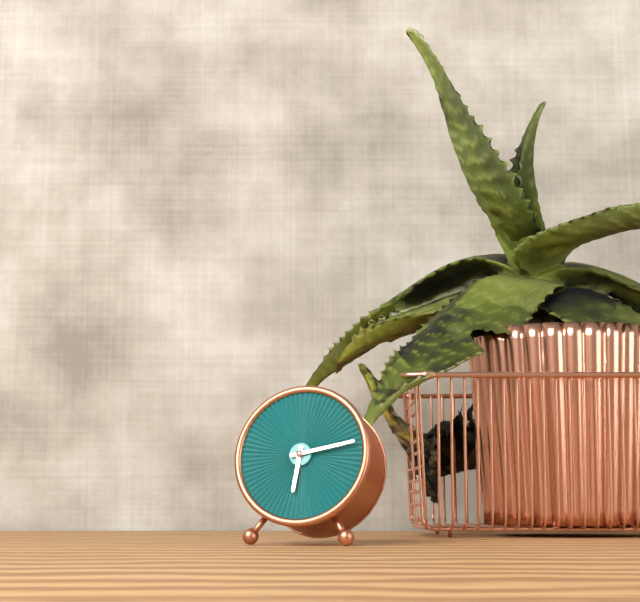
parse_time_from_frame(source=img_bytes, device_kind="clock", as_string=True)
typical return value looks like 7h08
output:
6h13
